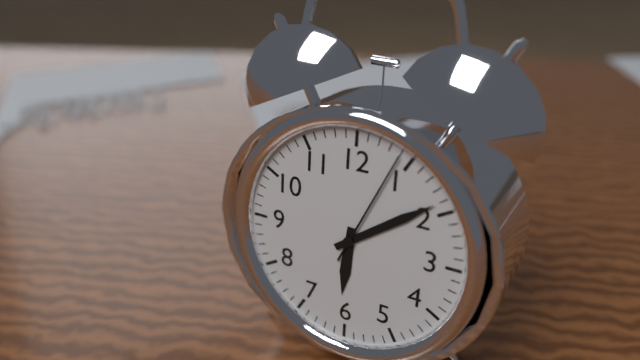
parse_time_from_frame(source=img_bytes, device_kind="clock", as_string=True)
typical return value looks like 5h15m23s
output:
6h09m04s
